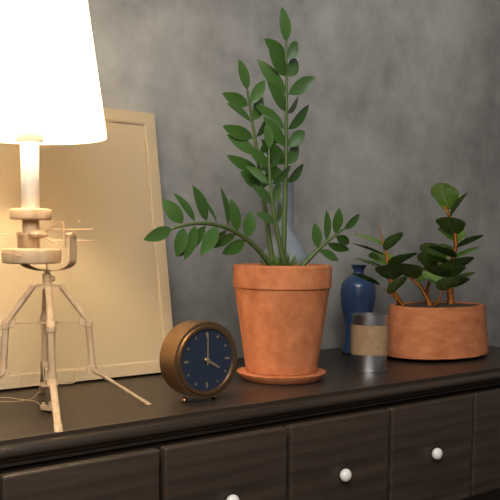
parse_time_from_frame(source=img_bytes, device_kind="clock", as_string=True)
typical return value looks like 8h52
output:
4h00
